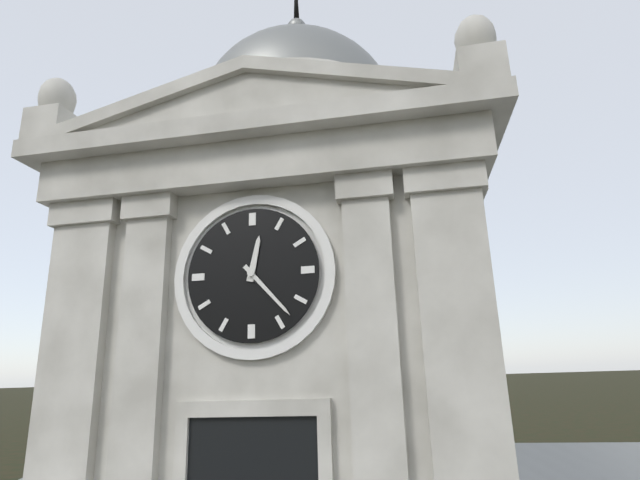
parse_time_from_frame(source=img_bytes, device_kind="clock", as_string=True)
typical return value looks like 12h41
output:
12h23
